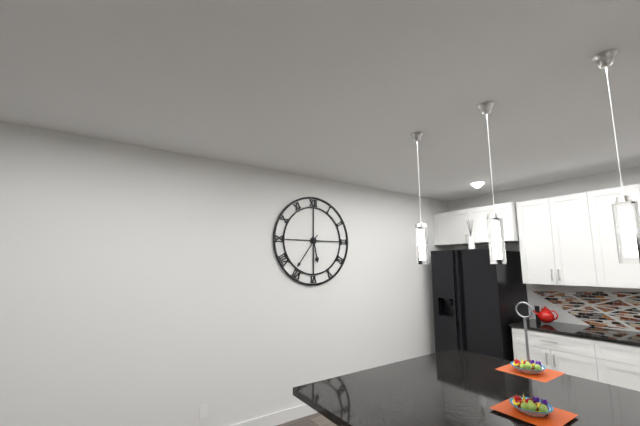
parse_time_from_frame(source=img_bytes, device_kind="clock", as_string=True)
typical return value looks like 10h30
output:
5h36
